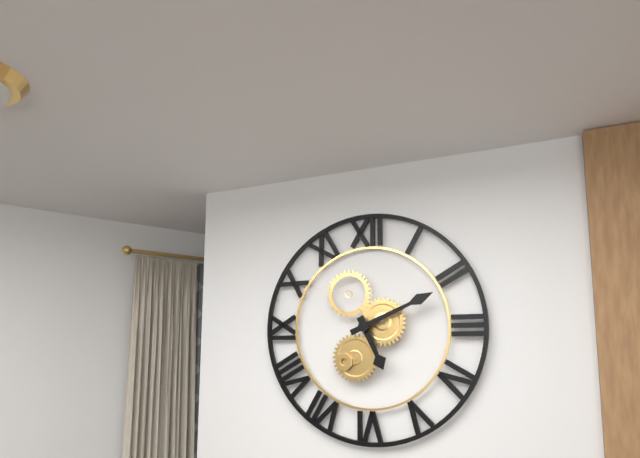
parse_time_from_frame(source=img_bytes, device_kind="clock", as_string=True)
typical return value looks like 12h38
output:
5h11
